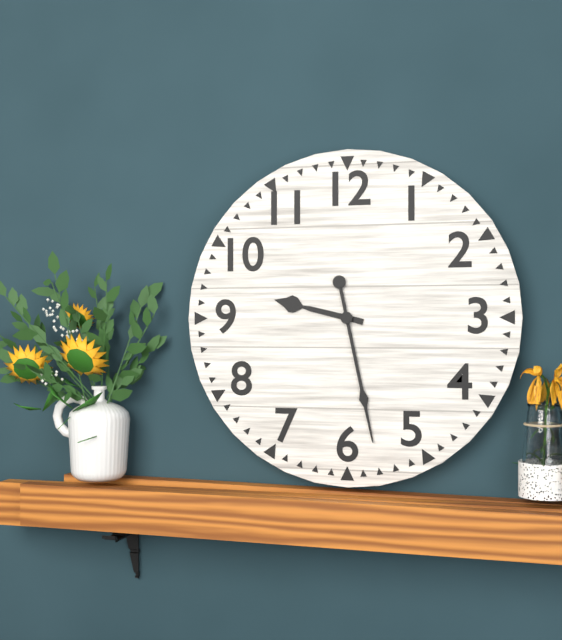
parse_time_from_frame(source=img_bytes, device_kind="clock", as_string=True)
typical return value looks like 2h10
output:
9h28
